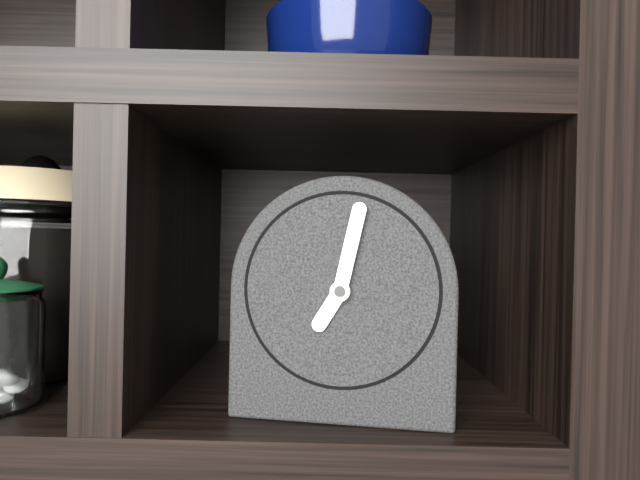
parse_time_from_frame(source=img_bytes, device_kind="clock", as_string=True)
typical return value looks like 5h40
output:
7h02
